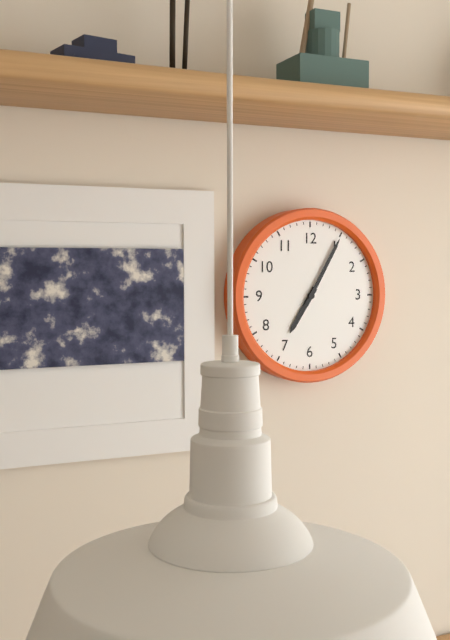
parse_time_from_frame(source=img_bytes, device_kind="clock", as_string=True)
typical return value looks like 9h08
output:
7h05
